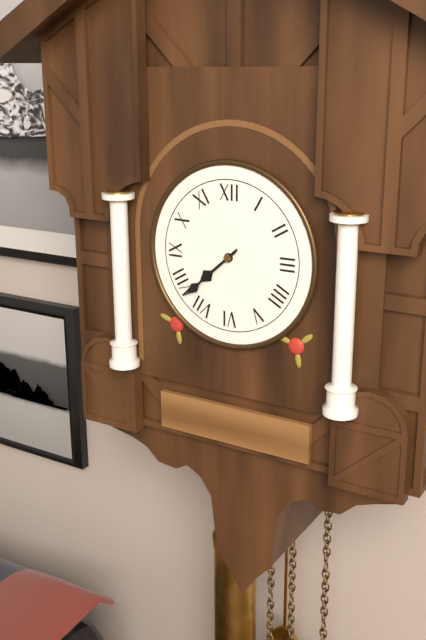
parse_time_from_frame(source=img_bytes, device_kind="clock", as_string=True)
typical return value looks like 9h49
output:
7h38
